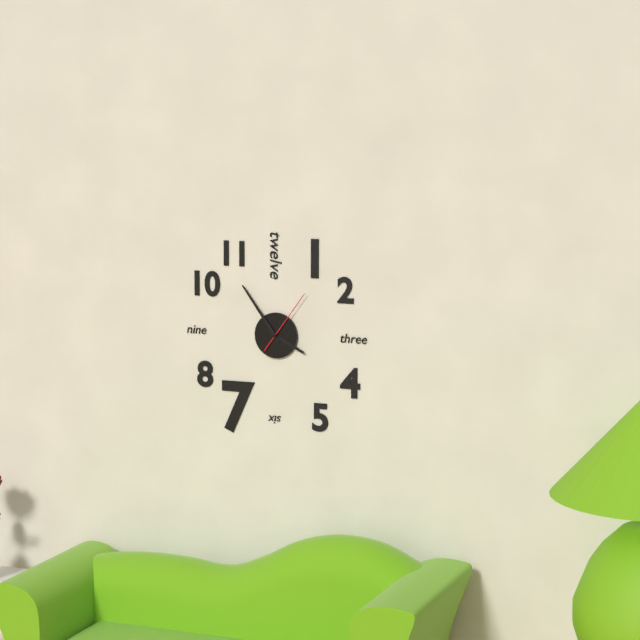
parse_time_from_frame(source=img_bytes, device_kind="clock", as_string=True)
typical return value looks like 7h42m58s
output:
3h54m06s
